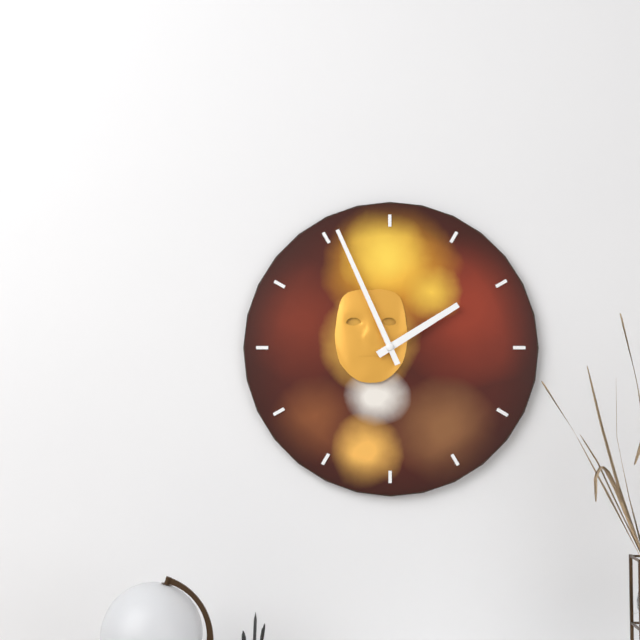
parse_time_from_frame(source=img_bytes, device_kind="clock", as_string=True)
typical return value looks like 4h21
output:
1h56
